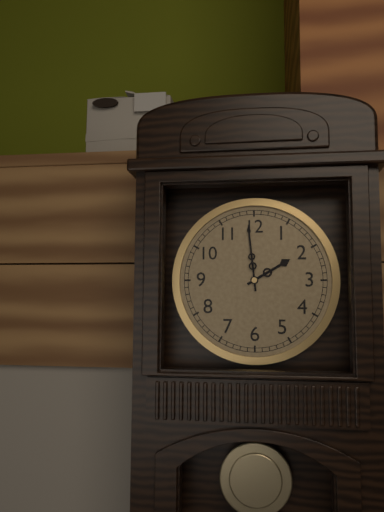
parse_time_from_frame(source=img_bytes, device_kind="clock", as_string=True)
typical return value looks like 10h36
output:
1h59
